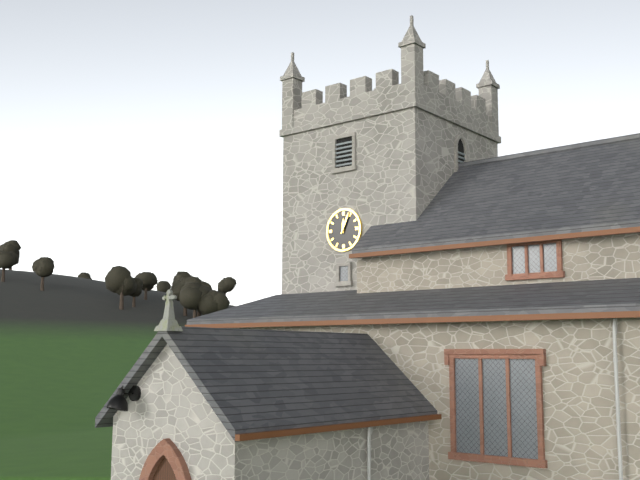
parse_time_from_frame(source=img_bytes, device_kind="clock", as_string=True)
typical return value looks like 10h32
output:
12h04
